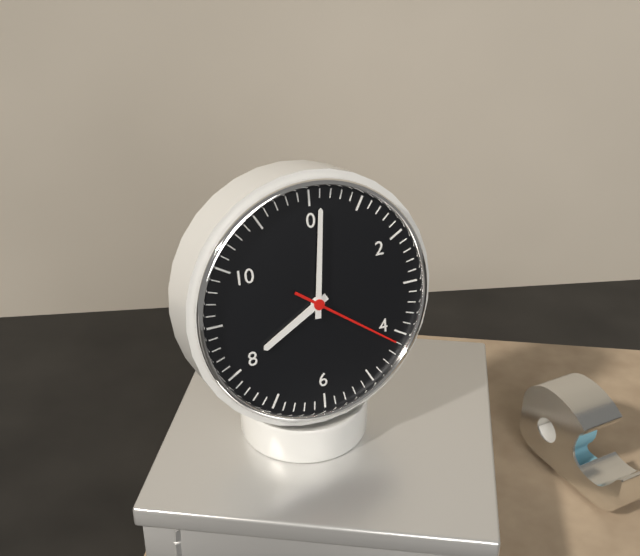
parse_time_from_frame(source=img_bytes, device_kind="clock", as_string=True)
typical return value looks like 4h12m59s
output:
8h01m21s
